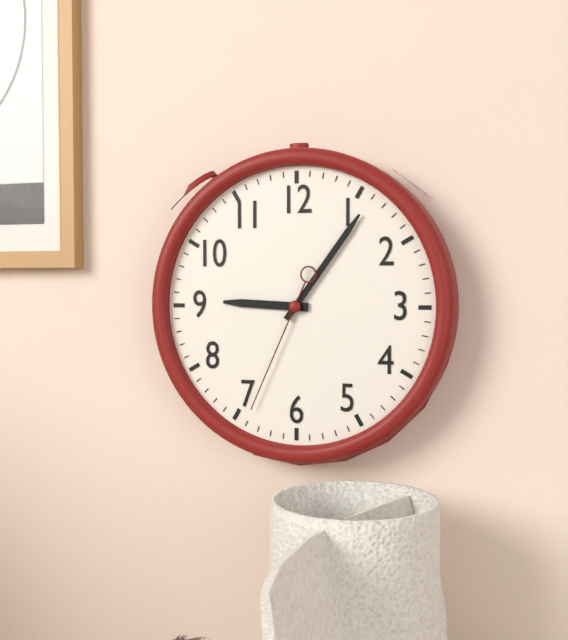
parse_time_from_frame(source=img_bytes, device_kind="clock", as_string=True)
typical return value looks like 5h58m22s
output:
9h06m34s
